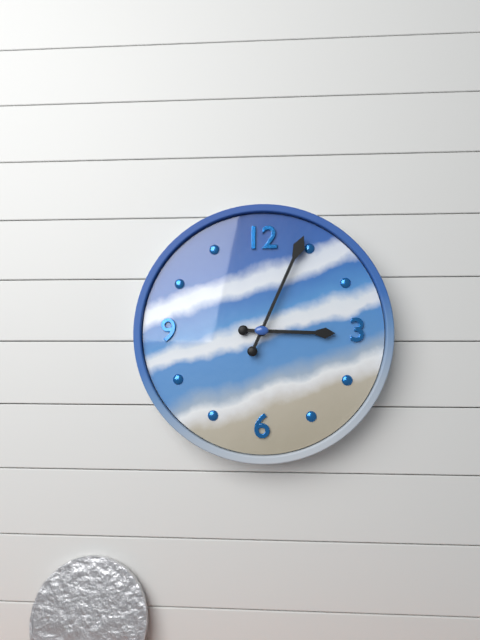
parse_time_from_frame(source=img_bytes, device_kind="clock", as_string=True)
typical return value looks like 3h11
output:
3h04
